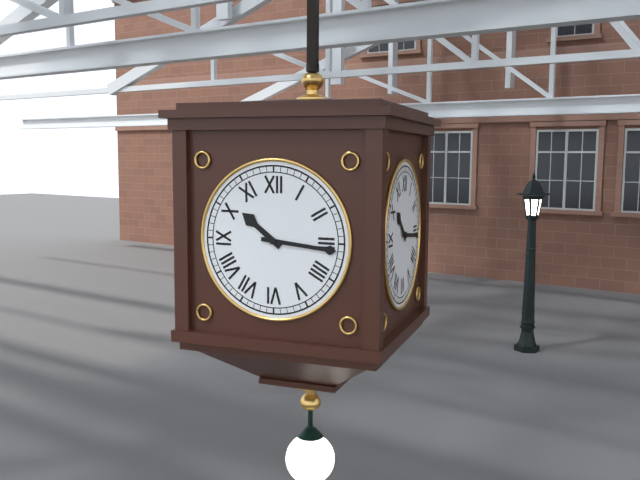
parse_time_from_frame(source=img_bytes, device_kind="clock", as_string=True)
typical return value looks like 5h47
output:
10h16
